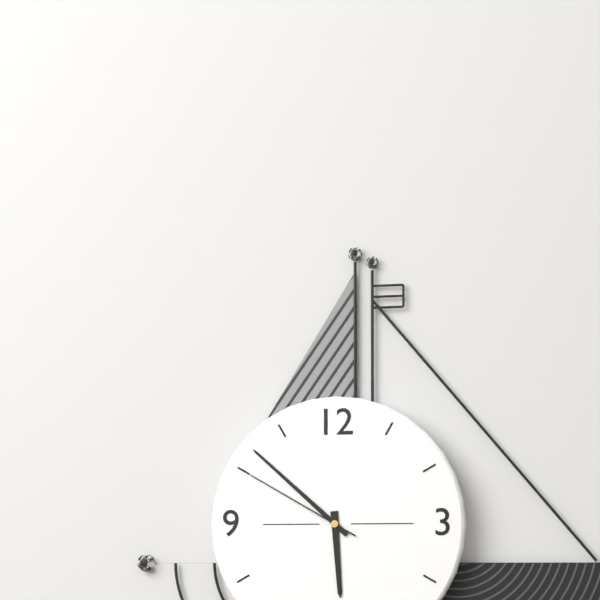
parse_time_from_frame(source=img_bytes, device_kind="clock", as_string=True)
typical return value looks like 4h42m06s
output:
5h52m50s
